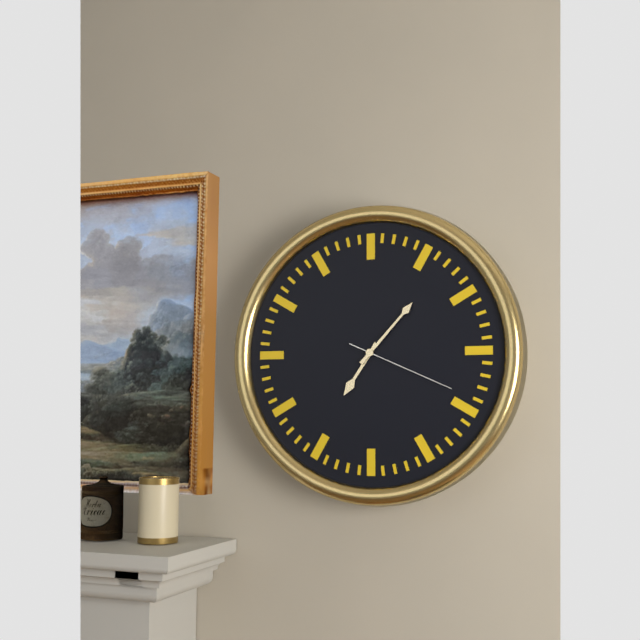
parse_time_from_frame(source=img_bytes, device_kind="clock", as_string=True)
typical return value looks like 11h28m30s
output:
7h07m19s
